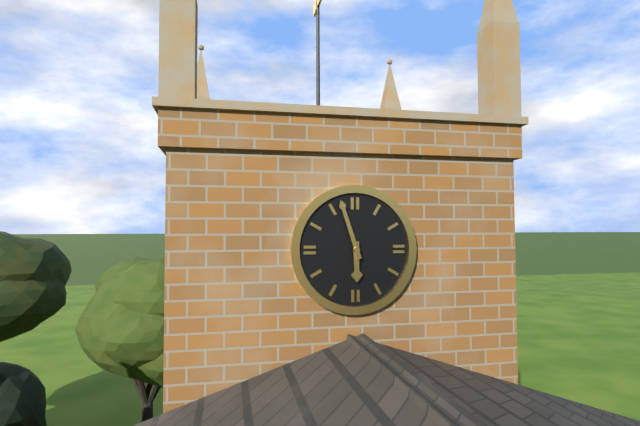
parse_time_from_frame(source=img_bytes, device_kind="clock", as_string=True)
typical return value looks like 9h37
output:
5h57
